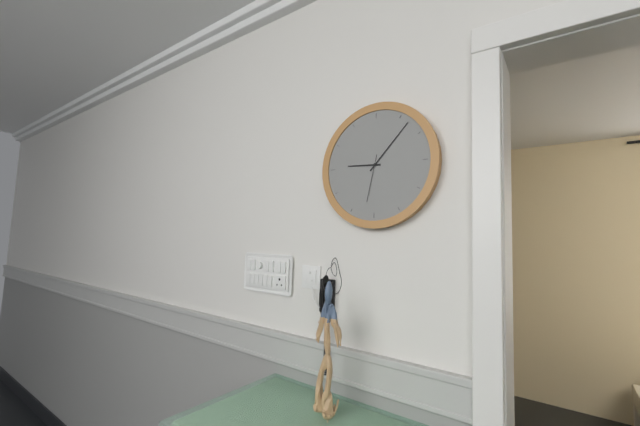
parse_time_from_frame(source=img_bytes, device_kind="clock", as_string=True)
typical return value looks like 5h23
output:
9h07
